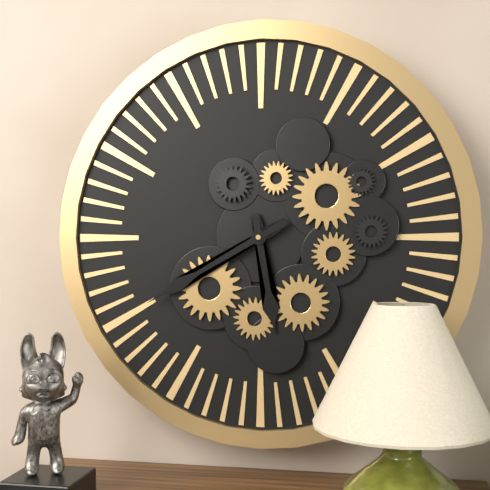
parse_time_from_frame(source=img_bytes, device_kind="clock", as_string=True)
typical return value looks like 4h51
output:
5h40
